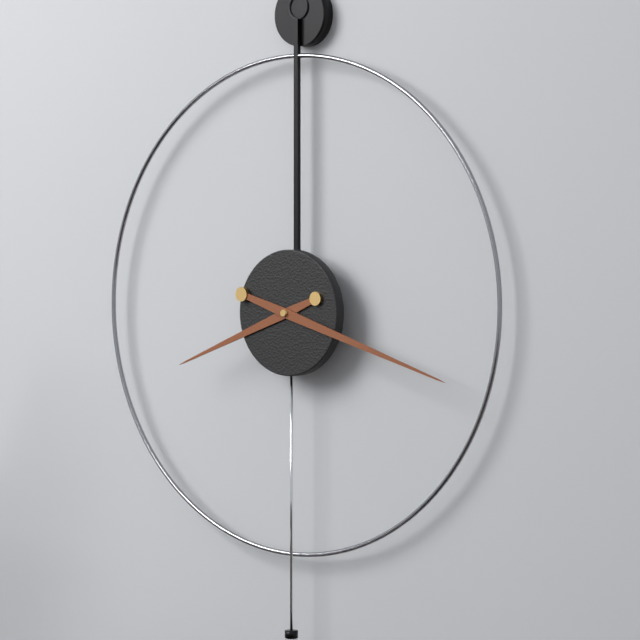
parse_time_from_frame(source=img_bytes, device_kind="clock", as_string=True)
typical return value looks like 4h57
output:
8h18
